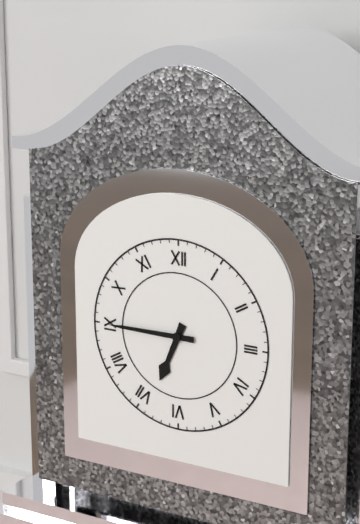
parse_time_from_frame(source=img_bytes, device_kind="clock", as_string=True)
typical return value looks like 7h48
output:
6h45
